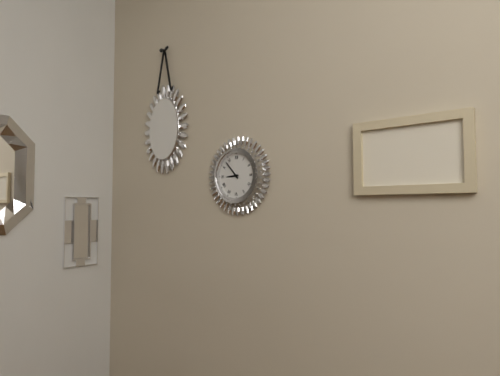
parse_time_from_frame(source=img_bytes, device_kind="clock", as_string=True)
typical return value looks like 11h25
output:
8h53
